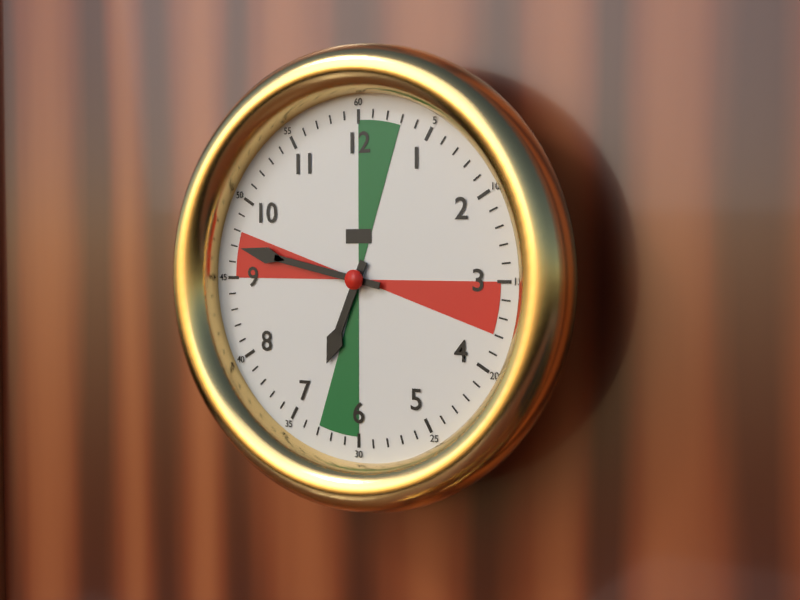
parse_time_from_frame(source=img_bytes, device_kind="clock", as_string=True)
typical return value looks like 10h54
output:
6h47
